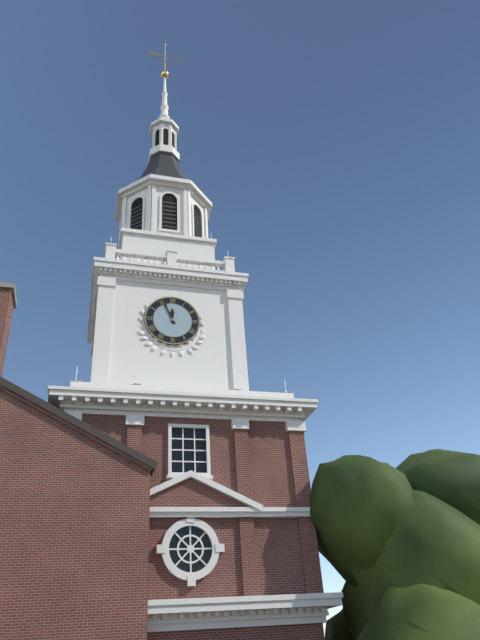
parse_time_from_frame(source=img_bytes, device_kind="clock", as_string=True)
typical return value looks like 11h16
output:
11h56
